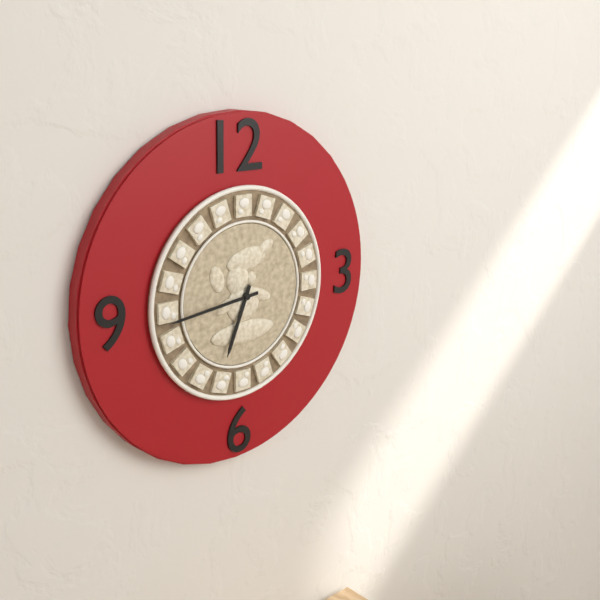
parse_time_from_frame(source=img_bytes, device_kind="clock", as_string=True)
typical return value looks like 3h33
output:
6h44
